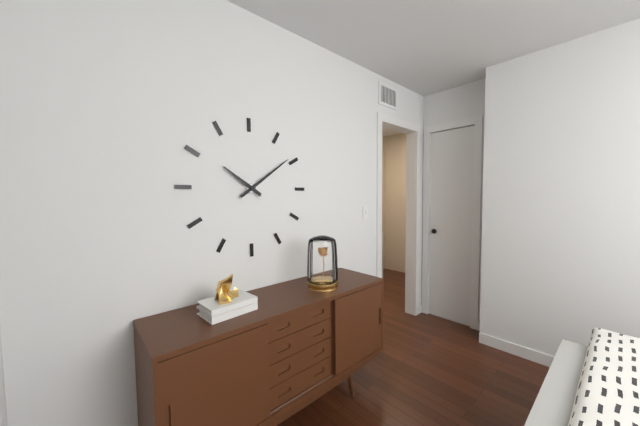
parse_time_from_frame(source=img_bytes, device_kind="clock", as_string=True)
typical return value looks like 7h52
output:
10h09
